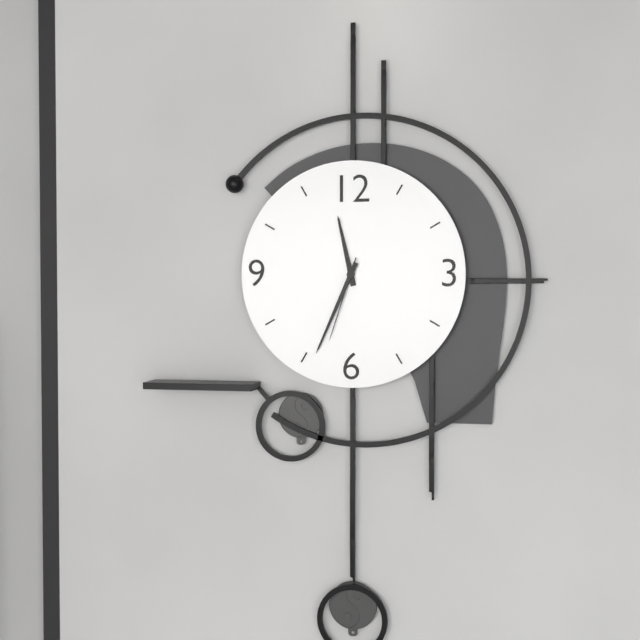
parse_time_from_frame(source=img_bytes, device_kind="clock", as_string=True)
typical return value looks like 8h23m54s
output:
11h34m33s
